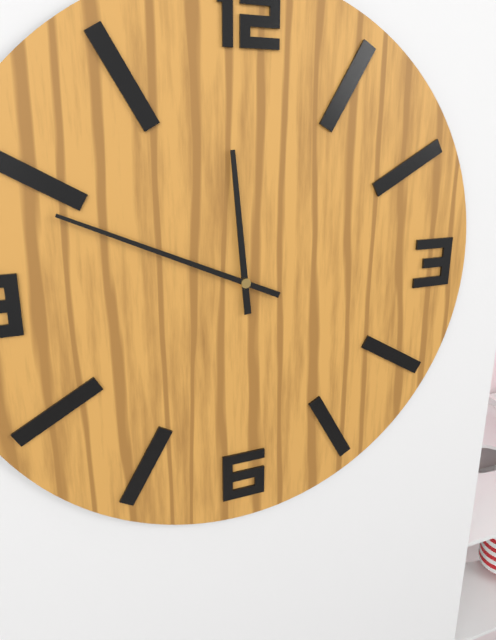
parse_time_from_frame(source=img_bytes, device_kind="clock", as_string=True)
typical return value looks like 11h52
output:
11h49
